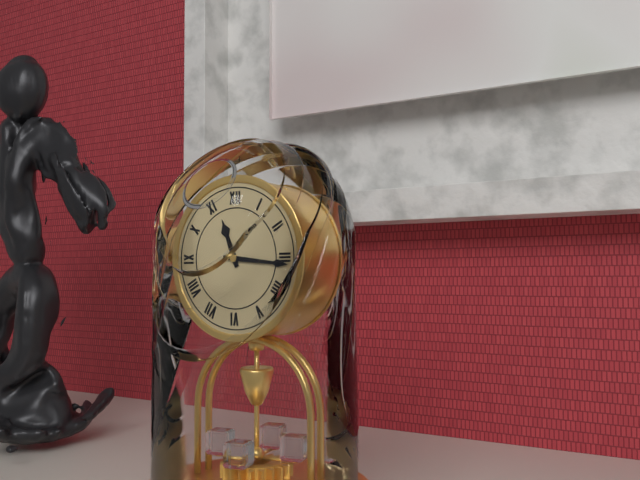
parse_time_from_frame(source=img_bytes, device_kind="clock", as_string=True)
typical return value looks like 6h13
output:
11h16
